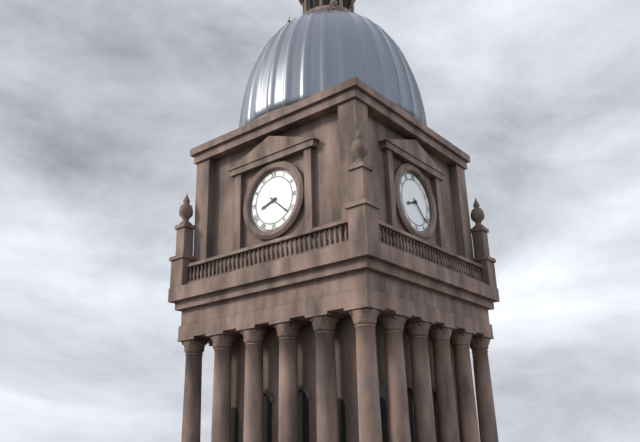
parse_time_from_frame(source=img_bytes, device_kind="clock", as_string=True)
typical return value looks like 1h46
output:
8h22
